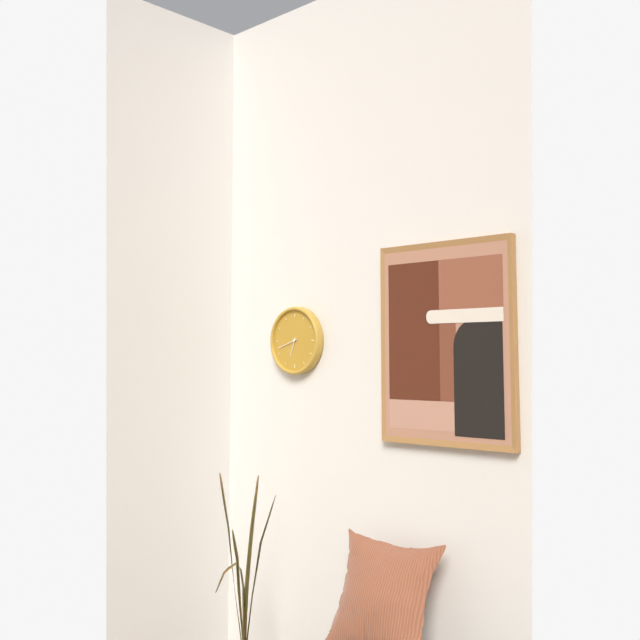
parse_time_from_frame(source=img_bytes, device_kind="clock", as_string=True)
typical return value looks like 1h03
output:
6h42
